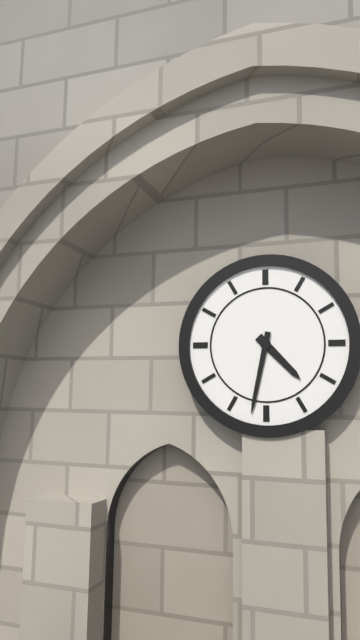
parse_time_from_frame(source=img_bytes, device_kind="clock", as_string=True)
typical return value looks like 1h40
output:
4h32
